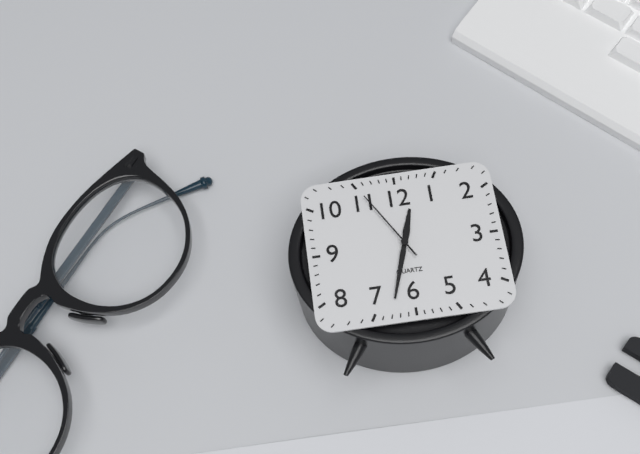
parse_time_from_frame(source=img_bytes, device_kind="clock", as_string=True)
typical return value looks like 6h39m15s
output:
12h33m55s
